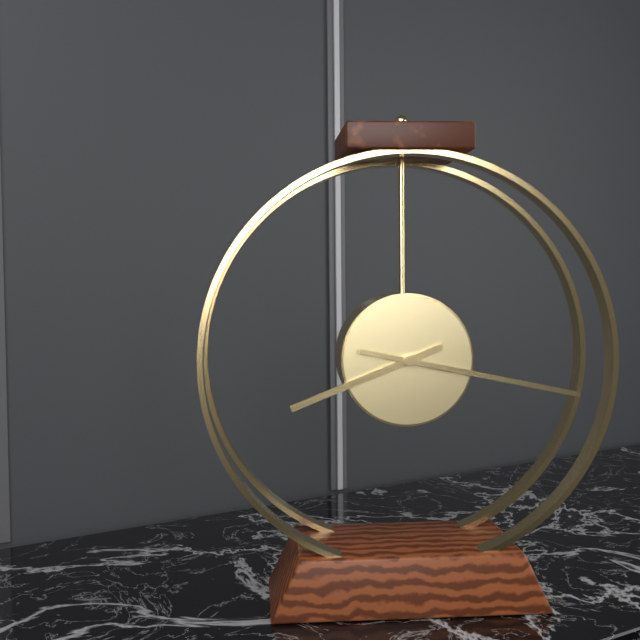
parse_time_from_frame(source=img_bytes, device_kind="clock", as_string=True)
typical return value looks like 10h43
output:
8h17
